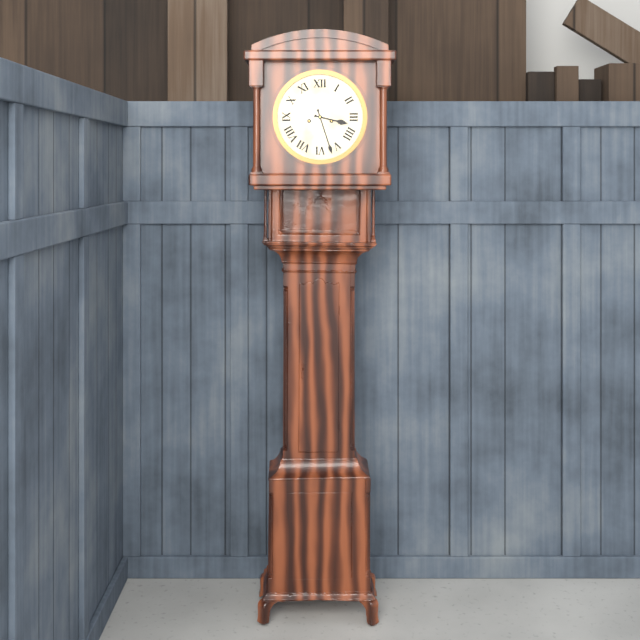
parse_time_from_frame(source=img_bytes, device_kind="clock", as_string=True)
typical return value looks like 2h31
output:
3h27
